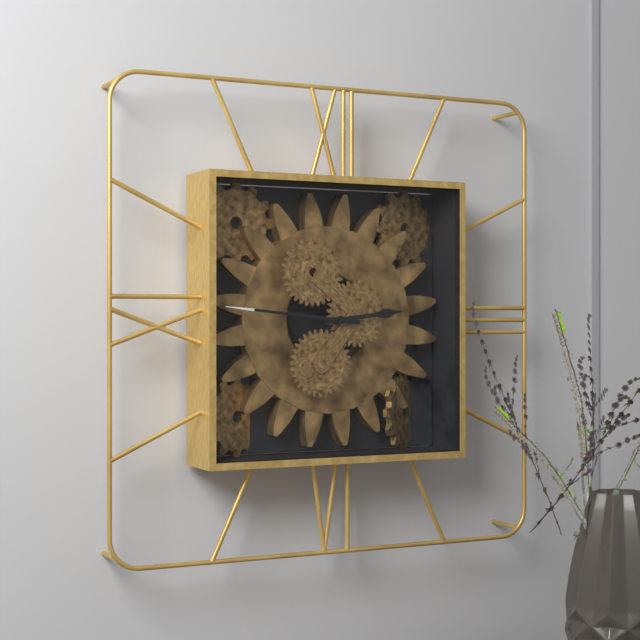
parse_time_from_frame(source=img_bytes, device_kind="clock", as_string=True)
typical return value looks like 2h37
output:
2h46
